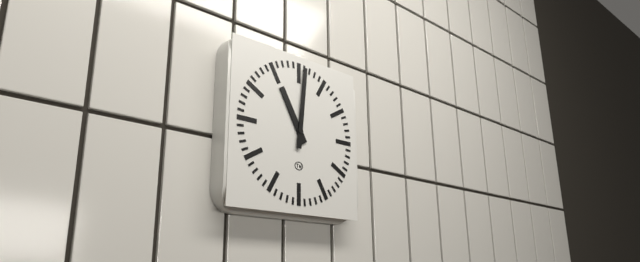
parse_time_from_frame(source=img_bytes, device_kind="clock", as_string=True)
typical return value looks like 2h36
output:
11h01
